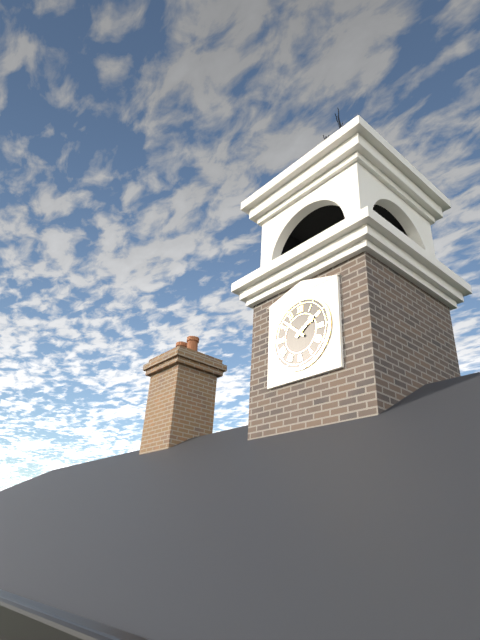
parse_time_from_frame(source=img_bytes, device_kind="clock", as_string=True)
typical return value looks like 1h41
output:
1h52
